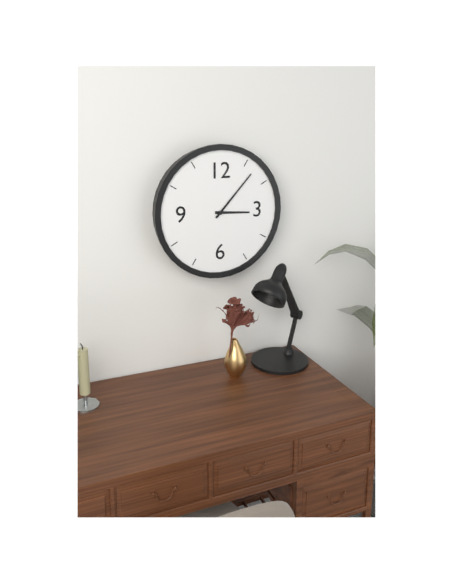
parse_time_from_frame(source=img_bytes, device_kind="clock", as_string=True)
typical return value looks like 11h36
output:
3h07
